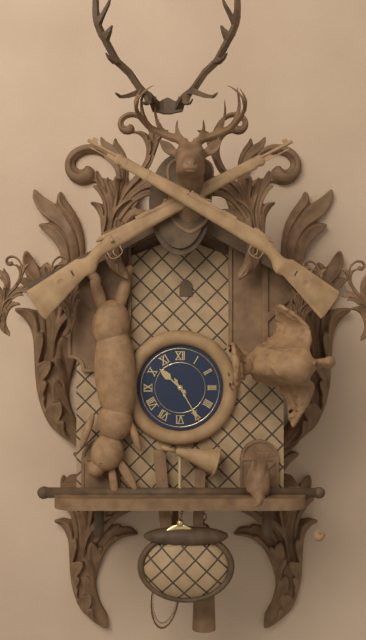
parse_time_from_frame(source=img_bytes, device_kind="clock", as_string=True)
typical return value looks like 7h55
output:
10h25
